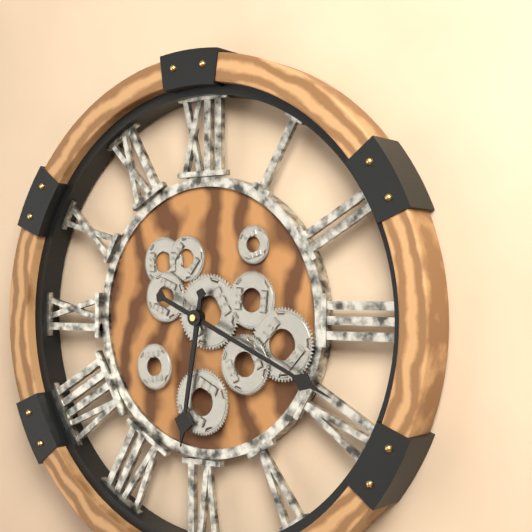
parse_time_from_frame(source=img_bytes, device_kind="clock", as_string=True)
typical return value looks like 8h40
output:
6h19
